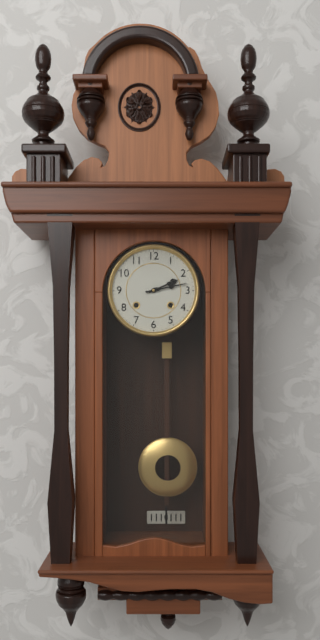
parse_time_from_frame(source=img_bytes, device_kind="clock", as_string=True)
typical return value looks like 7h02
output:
2h13
